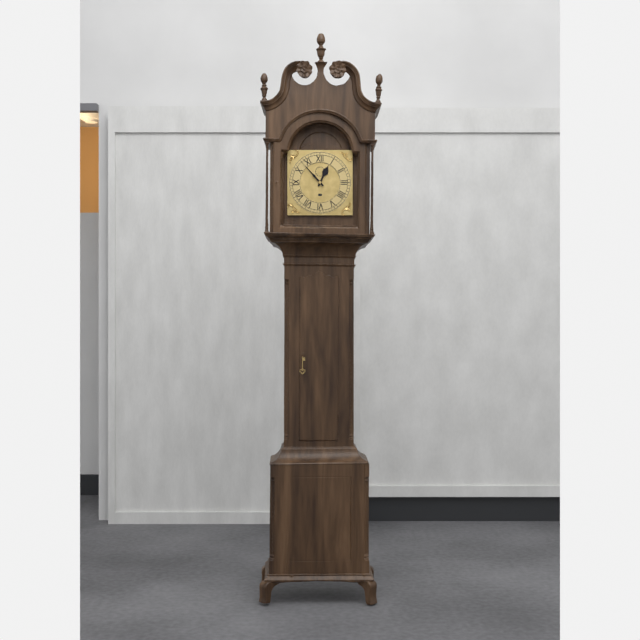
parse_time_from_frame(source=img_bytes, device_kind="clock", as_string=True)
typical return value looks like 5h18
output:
12h53
